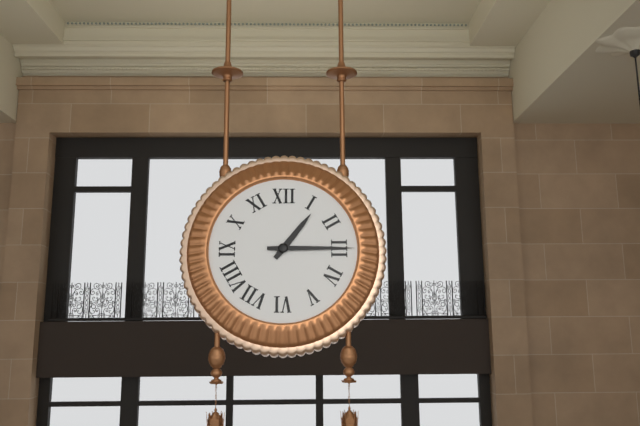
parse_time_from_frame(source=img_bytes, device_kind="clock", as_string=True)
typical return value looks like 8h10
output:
1h15
